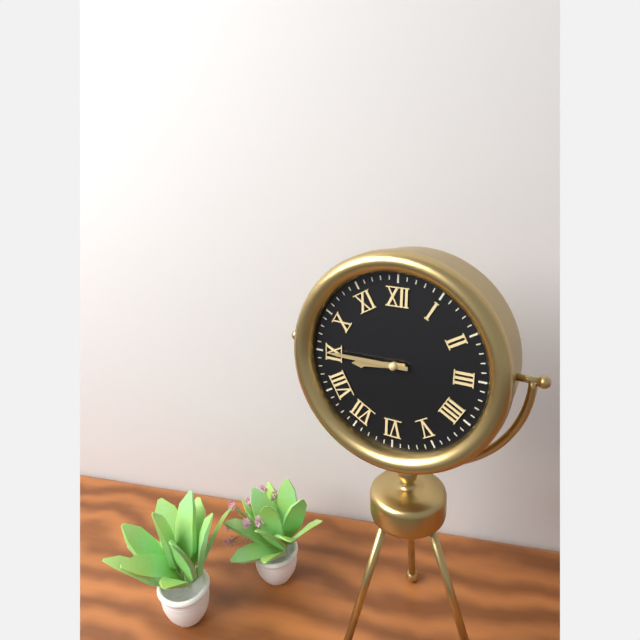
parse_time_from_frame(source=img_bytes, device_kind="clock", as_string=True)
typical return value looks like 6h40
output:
8h45
